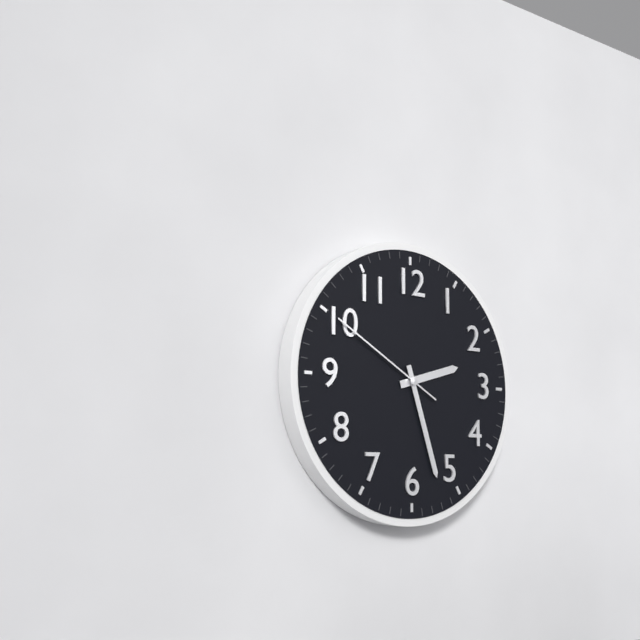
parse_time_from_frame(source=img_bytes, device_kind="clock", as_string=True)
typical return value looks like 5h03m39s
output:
2h27m50s
